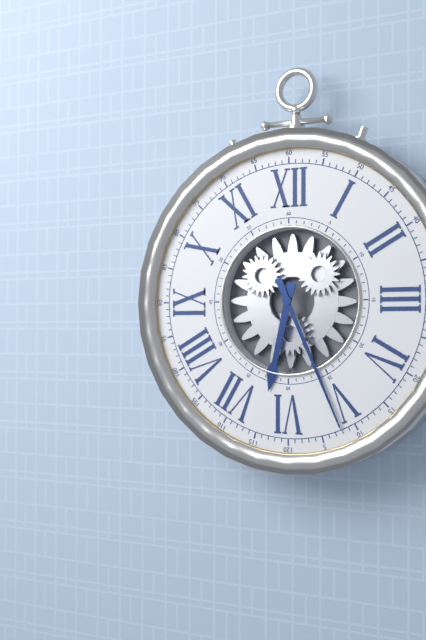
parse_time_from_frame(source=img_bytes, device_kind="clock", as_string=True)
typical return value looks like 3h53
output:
6h26
